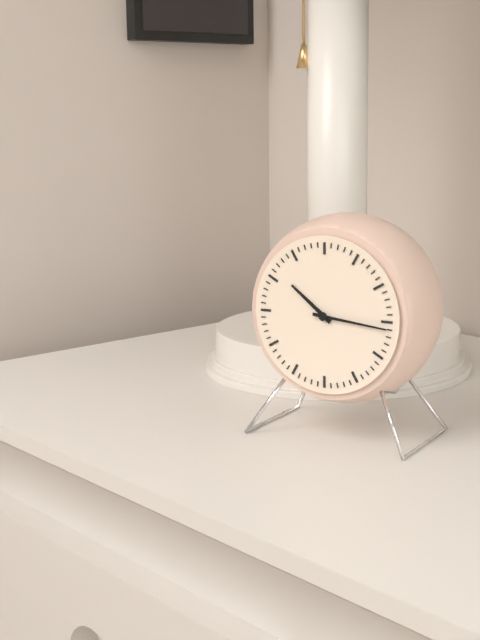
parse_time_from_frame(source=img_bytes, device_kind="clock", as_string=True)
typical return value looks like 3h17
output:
10h16
